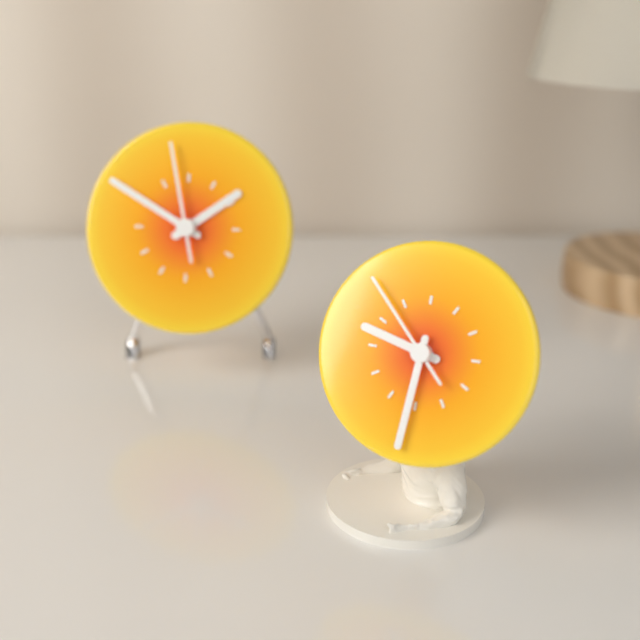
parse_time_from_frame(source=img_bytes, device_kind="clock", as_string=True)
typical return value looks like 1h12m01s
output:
9h31m53s
